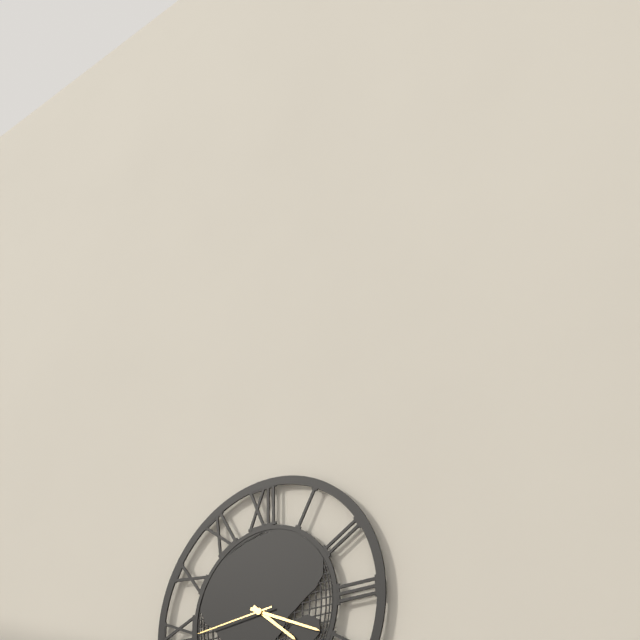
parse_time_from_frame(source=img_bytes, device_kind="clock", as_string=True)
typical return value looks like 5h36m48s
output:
4h19m44s
